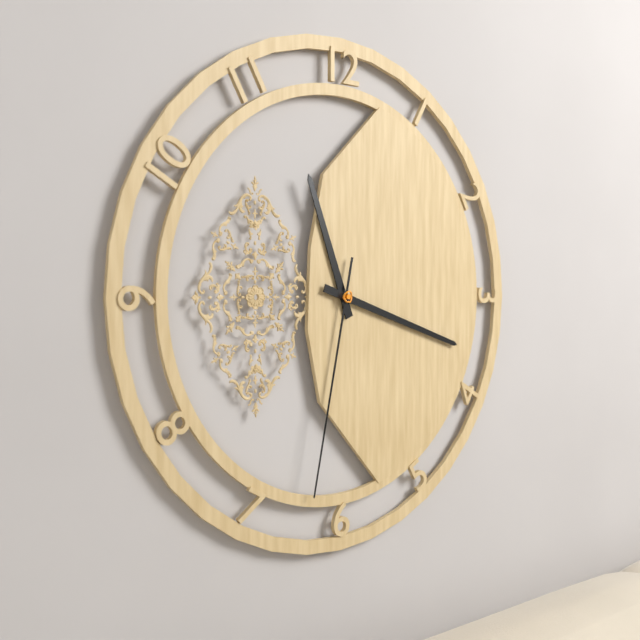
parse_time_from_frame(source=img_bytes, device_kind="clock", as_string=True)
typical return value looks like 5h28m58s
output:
11h18m32s
